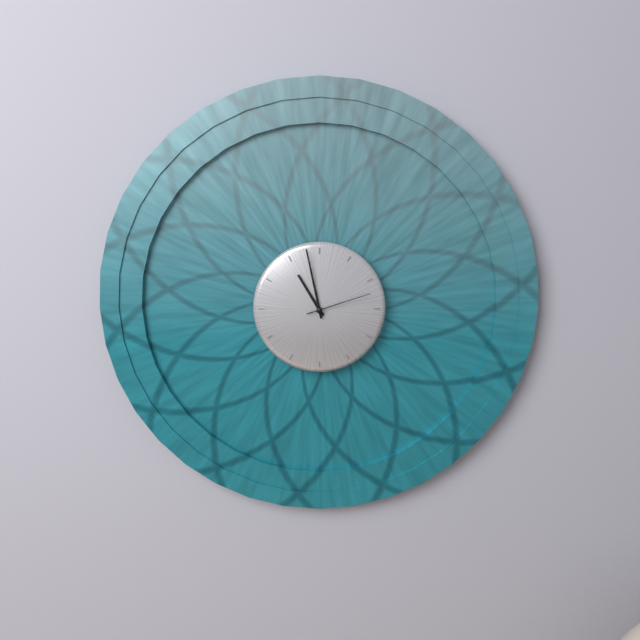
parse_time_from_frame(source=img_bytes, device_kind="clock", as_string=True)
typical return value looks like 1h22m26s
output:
10h58m12s
